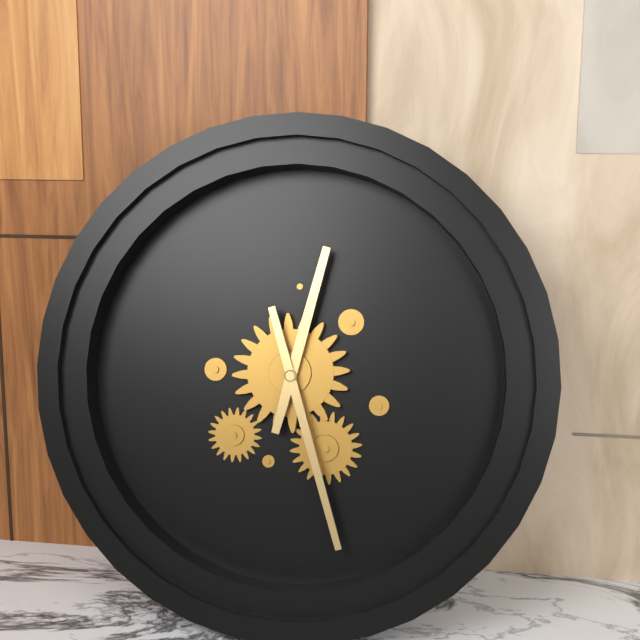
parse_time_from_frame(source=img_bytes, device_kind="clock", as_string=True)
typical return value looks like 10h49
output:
12h27
